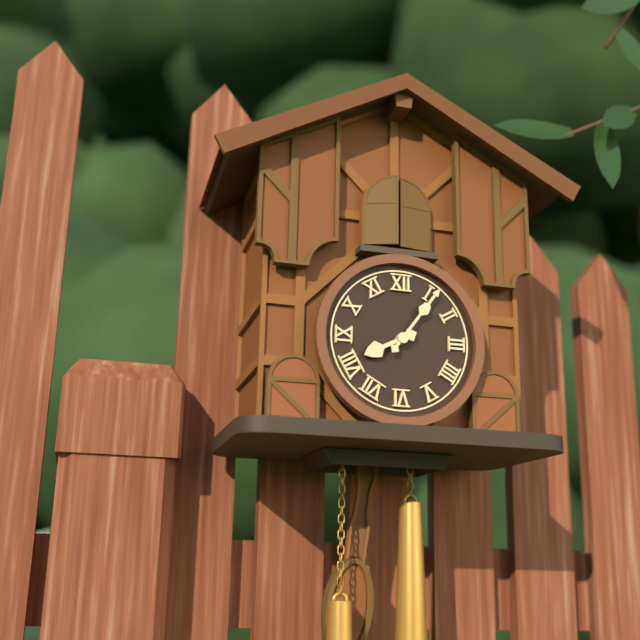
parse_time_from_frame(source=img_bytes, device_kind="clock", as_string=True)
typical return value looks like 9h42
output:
8h06
